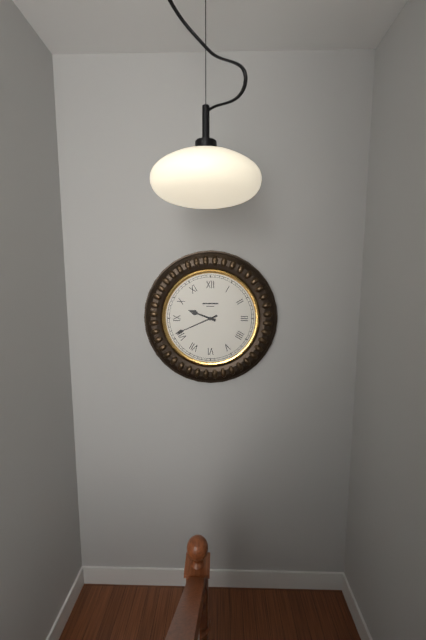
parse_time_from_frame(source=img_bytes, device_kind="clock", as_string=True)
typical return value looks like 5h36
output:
9h41
